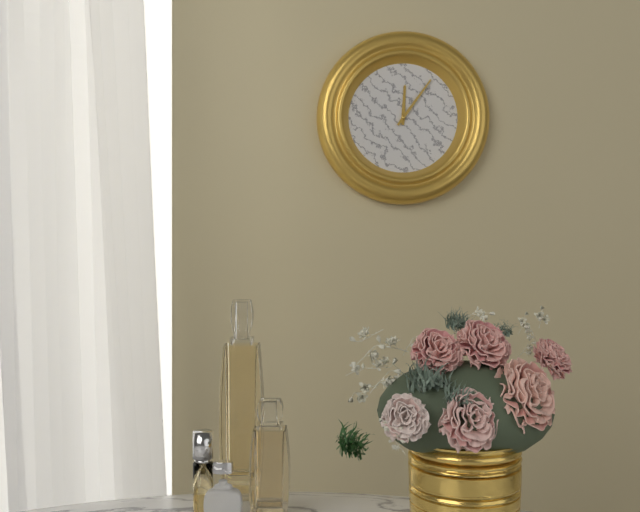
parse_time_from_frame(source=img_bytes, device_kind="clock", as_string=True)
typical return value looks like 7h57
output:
12h06
